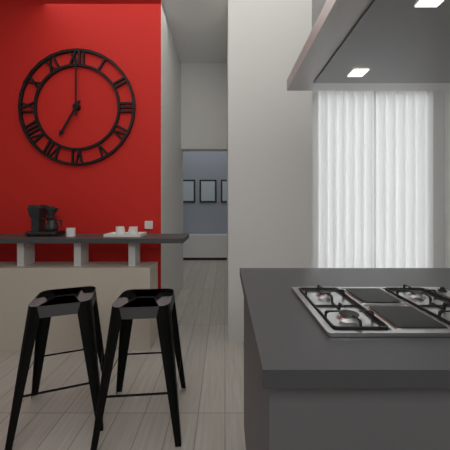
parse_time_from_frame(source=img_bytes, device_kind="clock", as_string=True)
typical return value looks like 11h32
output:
7h00
